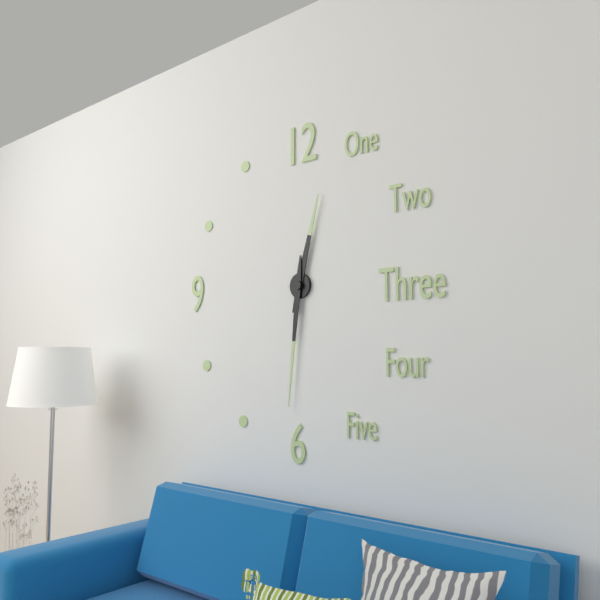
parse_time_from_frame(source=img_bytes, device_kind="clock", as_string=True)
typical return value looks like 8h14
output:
12h31
